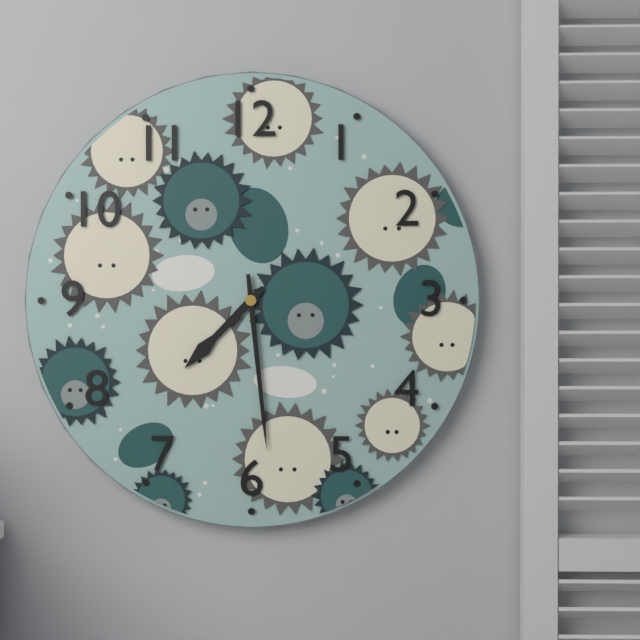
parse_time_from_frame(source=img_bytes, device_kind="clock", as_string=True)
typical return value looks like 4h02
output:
7h29
